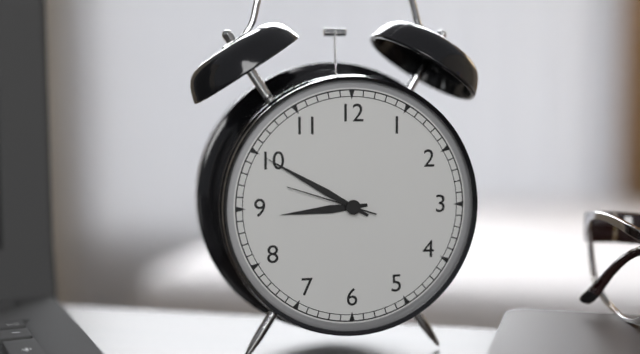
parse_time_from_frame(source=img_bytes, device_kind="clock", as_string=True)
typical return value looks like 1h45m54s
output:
8h50m48s
